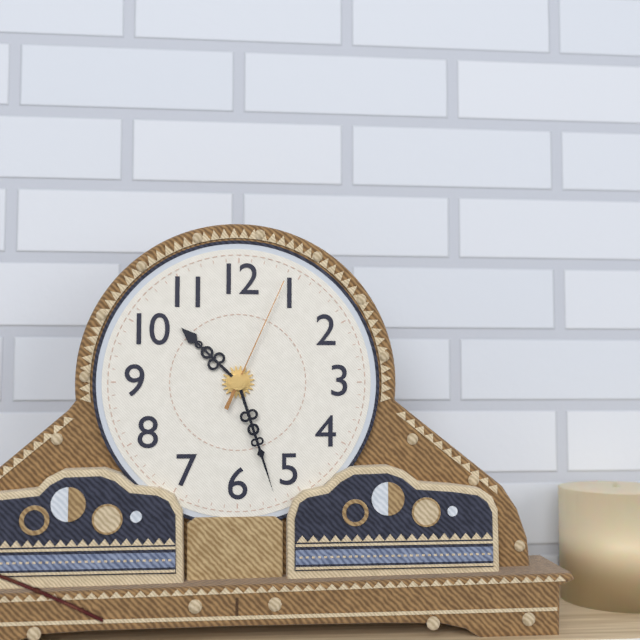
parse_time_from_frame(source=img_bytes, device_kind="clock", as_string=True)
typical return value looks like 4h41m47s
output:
10h27m04s
